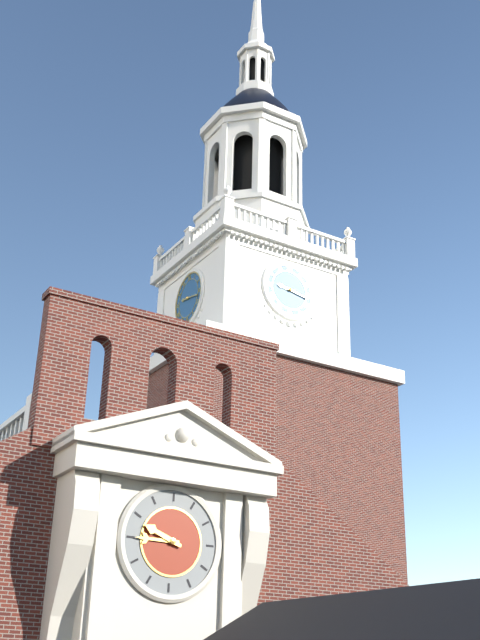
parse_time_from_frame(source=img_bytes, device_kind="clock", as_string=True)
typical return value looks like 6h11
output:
9h17
